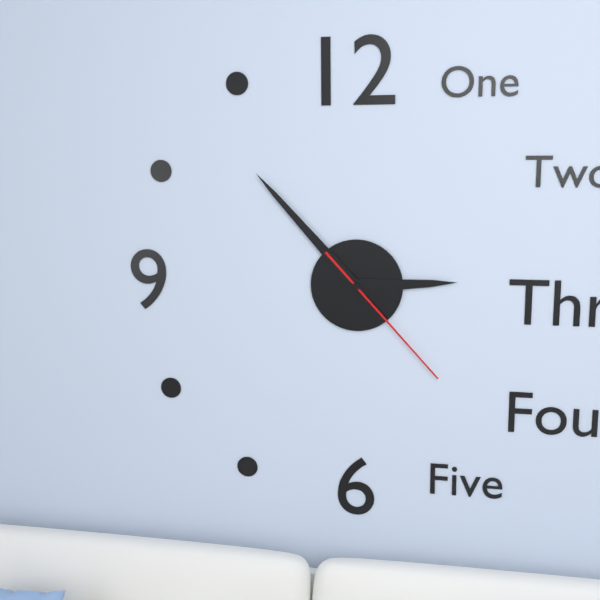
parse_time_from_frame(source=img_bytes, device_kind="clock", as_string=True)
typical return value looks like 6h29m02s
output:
2h53m23s
